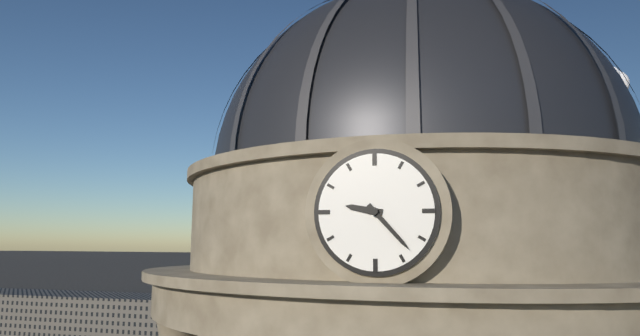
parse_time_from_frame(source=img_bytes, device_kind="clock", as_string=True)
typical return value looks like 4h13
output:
9h23
